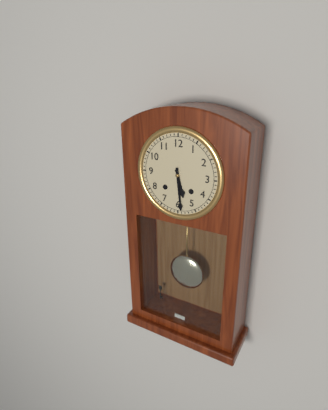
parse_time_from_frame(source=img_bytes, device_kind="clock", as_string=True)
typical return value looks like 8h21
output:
5h29
